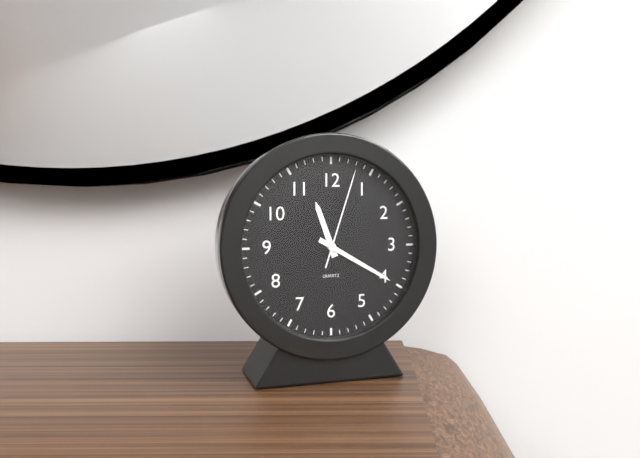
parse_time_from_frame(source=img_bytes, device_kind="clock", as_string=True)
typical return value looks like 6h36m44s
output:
11h20m03s
